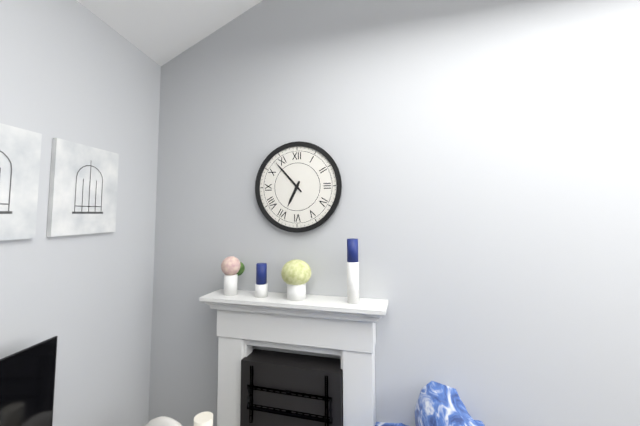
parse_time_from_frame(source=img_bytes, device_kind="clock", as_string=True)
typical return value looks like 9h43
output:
6h53
